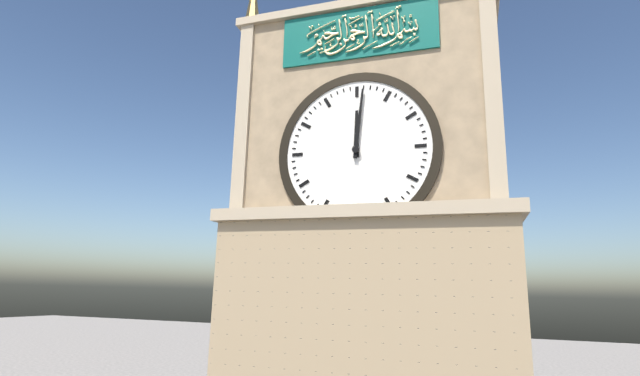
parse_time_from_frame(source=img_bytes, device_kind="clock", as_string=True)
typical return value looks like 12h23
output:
12h01
